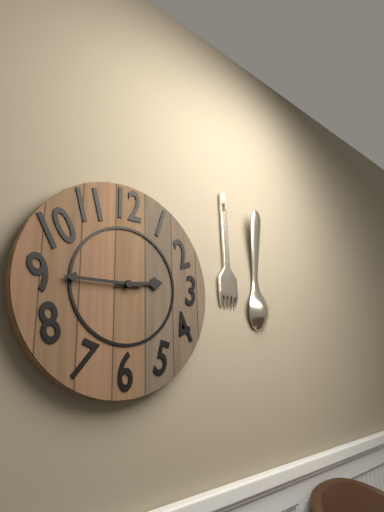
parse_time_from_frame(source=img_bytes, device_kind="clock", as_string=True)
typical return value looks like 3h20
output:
2h45
